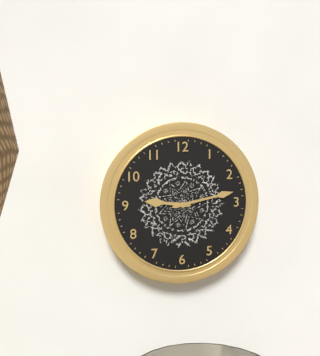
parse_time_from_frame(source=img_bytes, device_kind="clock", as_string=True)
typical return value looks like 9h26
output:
9h13
